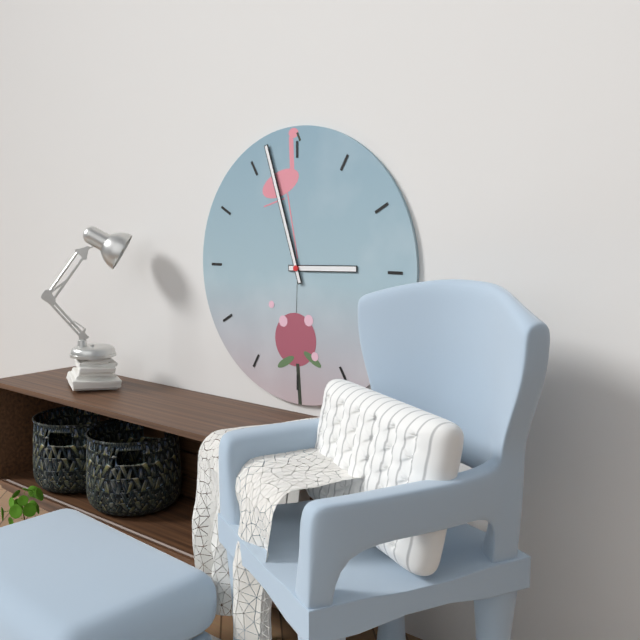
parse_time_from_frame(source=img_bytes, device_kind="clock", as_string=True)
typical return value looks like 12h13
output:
2h57
